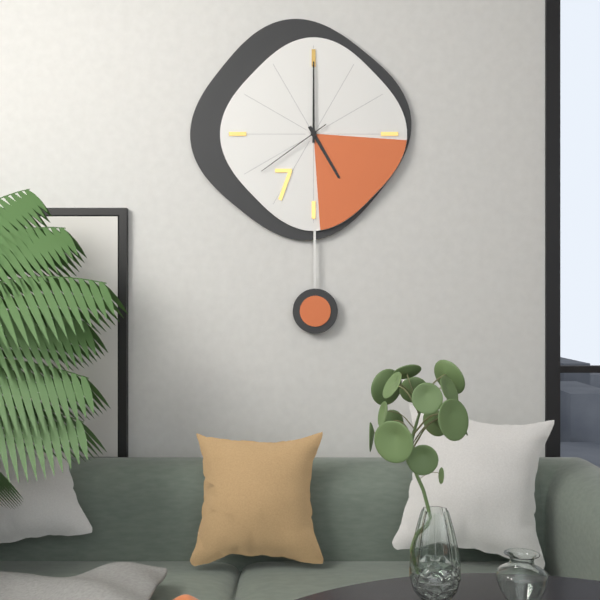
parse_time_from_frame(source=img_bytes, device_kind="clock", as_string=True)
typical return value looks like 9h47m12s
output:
5h00m39s
